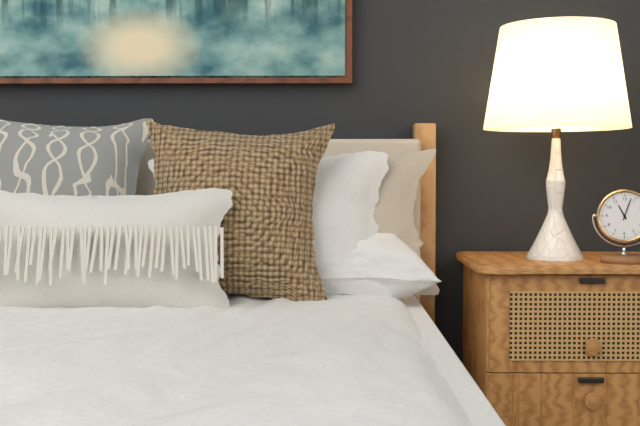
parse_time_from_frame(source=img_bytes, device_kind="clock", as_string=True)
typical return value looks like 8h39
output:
11h03
